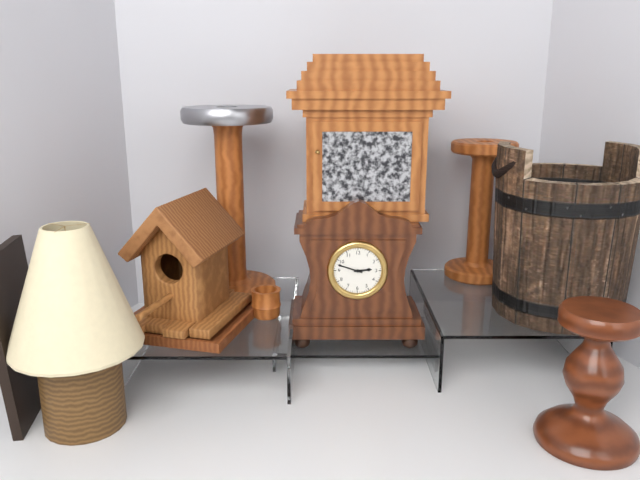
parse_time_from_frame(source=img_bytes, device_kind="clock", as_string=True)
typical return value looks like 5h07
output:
2h48
